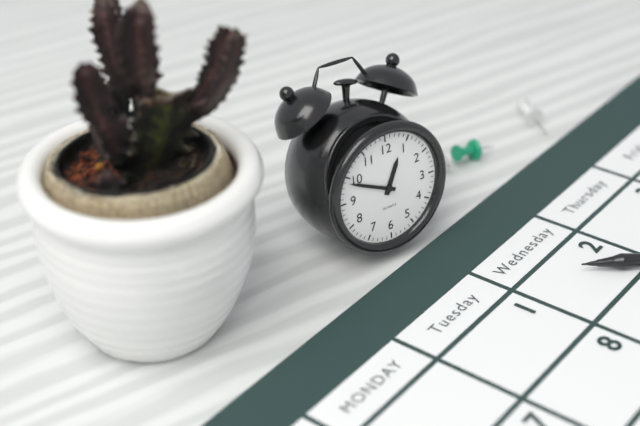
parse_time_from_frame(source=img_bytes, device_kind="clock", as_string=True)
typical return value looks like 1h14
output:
12h49
